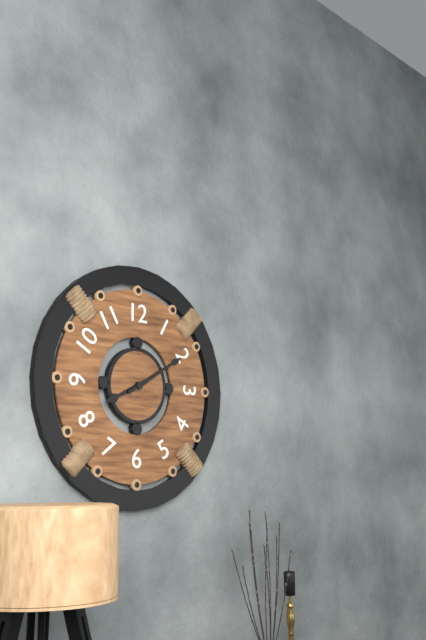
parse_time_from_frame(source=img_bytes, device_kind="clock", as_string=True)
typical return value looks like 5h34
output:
8h10
